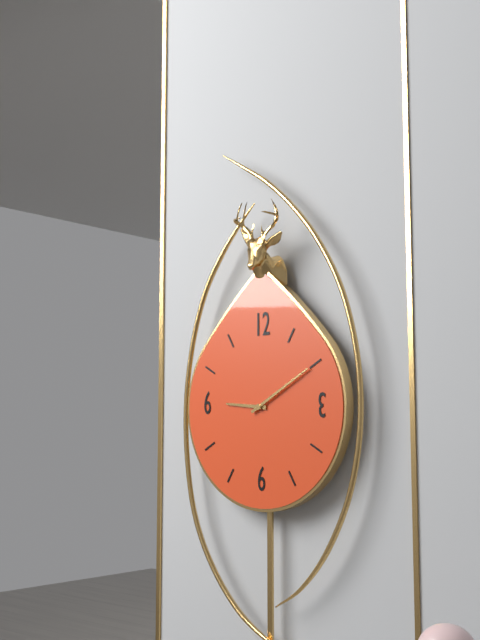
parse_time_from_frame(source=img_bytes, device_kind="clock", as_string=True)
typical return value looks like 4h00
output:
9h10
